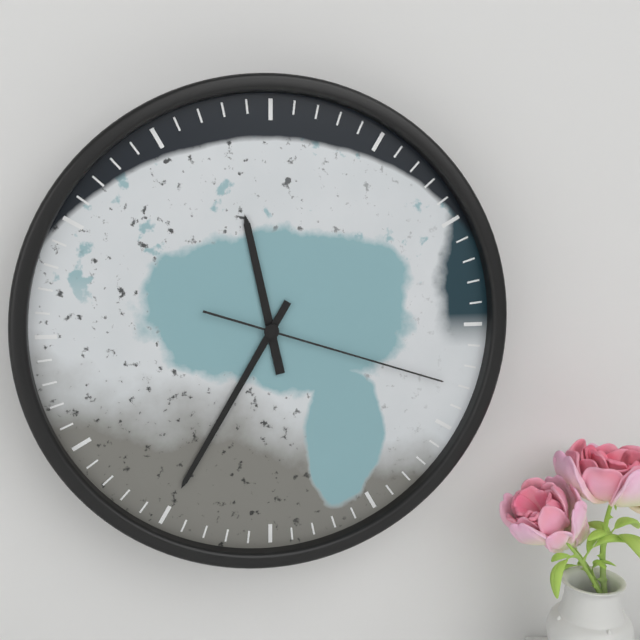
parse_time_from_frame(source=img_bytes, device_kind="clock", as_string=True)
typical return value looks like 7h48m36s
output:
11h35m18s
